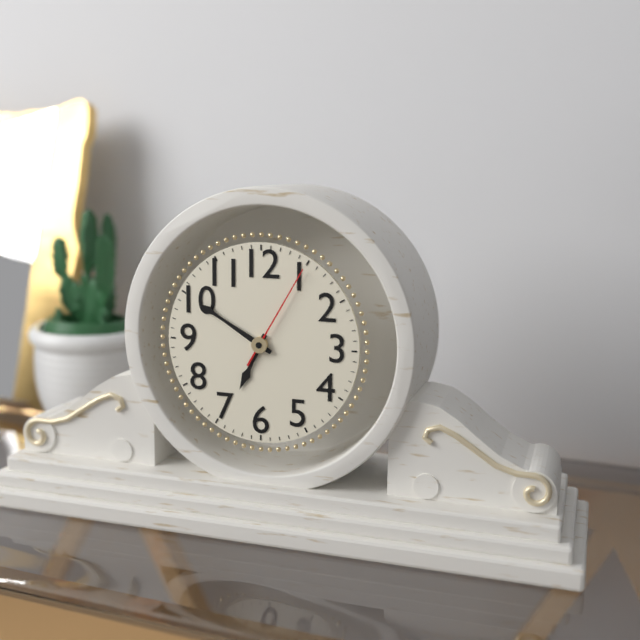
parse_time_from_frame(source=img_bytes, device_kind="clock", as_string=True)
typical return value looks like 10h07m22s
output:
6h50m05s
